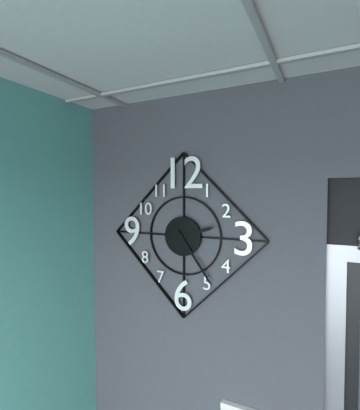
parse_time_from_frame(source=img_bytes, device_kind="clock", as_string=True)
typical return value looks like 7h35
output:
2h24
